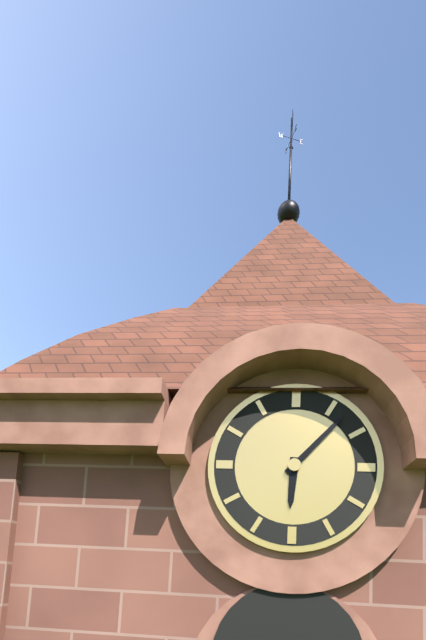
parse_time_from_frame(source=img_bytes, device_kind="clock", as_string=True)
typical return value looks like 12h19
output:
6h07
